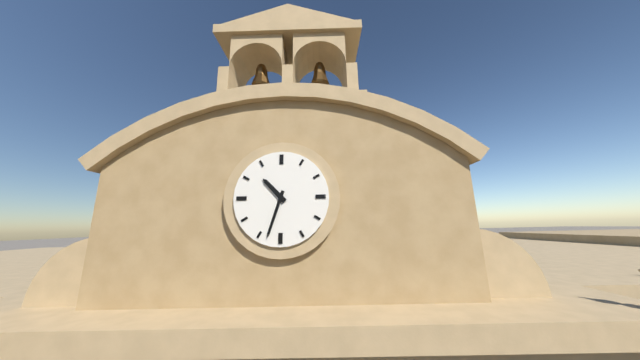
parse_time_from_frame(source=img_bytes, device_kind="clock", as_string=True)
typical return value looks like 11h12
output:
10h33
